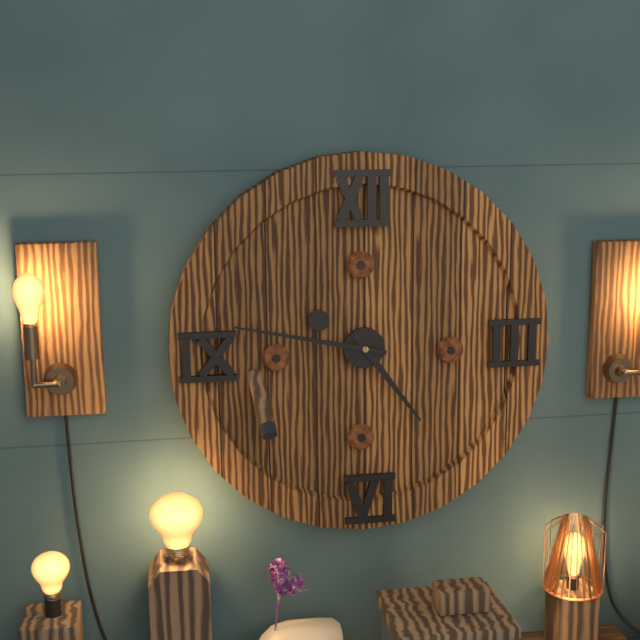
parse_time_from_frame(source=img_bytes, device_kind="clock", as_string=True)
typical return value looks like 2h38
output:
4h47
